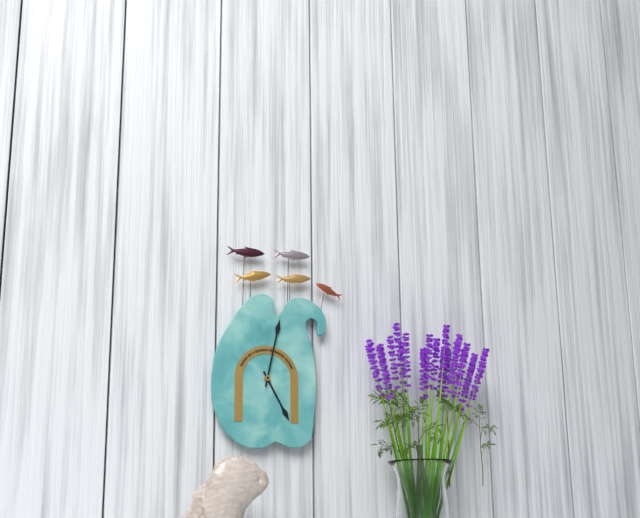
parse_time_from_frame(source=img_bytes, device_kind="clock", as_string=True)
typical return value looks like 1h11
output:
5h02
